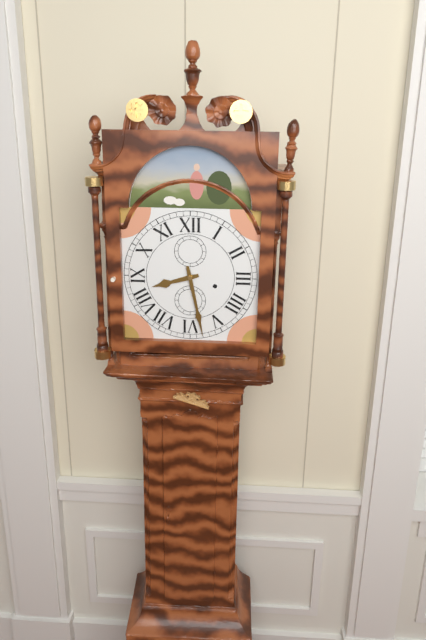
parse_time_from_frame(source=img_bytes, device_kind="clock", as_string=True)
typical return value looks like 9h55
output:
8h28
